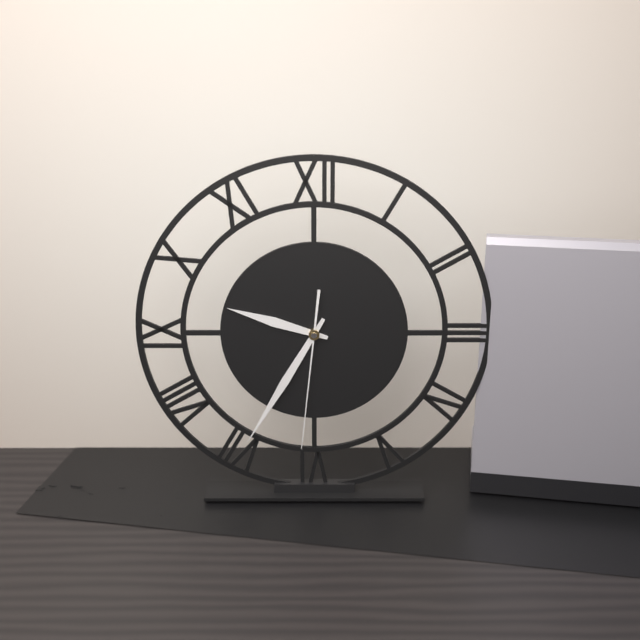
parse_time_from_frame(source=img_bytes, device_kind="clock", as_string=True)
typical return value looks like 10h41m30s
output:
9h35m31s
